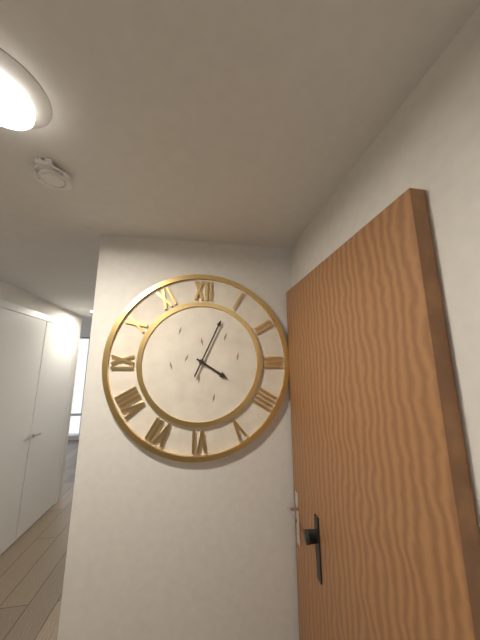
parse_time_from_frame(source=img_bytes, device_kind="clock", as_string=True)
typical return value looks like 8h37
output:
4h04
